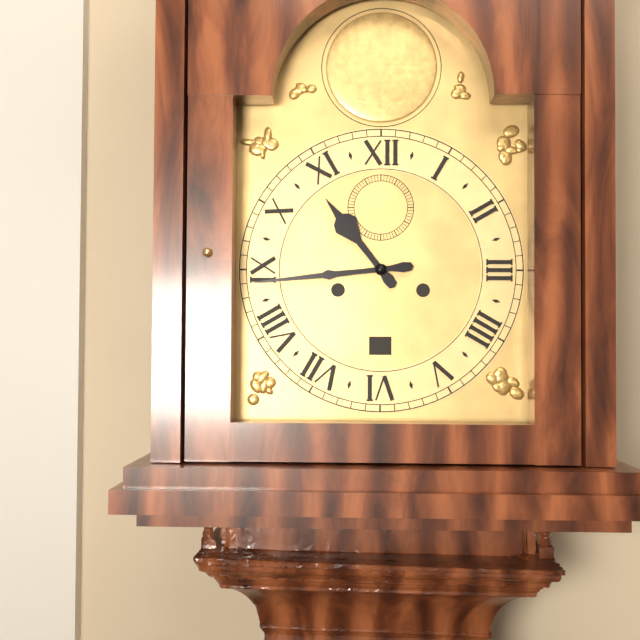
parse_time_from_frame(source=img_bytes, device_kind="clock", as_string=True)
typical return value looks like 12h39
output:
10h44
